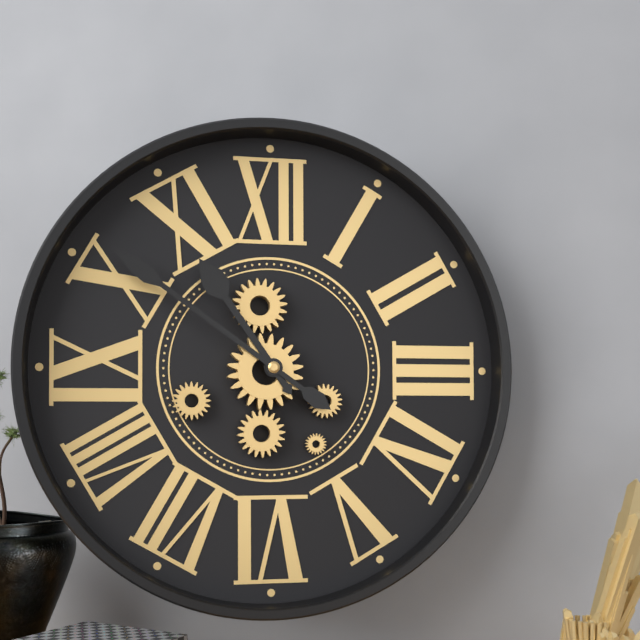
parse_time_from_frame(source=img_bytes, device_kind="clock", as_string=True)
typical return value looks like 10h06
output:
10h51
